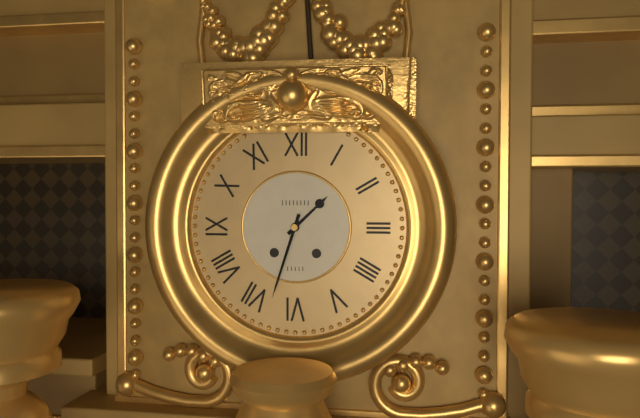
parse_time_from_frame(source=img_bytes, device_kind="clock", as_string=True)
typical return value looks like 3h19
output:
1h33
